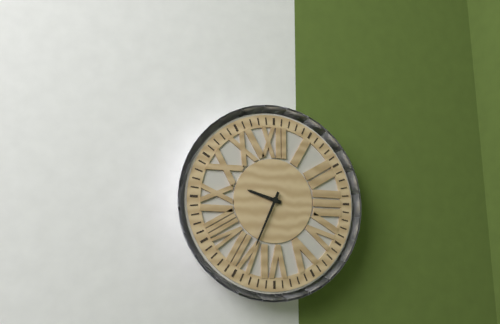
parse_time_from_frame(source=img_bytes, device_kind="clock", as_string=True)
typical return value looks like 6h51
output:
9h34
